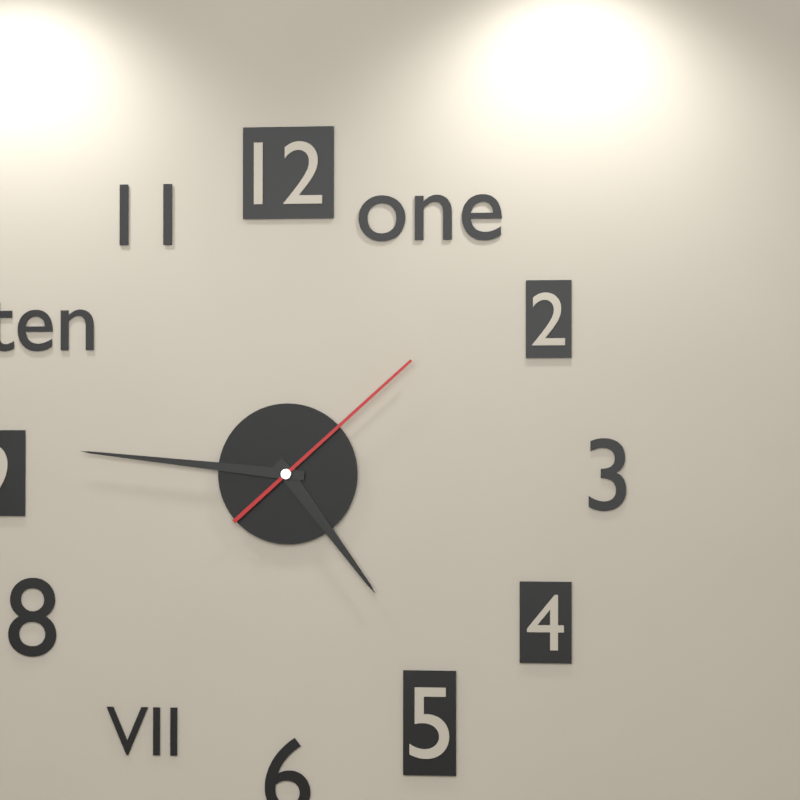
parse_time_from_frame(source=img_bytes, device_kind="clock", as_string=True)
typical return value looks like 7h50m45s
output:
4h46m08s
